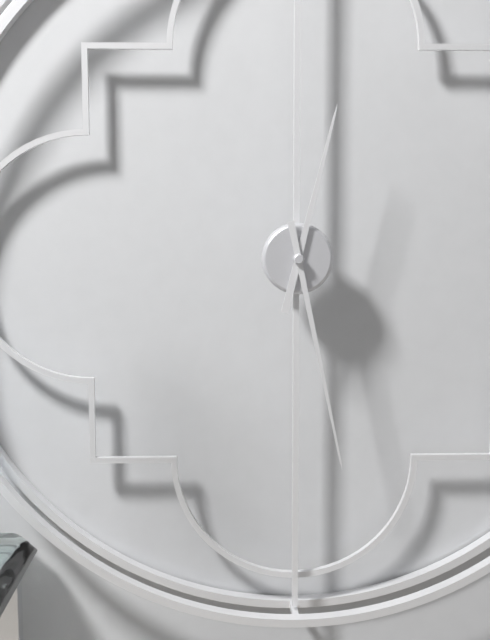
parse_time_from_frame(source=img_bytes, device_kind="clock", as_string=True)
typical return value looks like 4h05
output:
12h28
